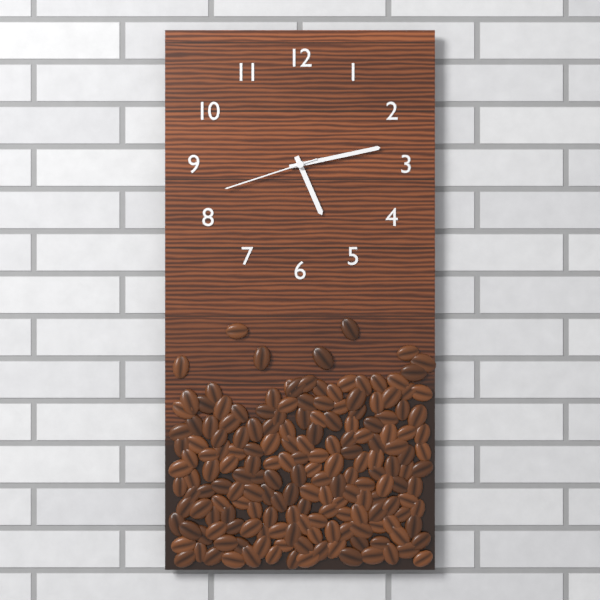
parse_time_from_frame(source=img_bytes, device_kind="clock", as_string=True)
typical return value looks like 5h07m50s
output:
5h13m42s
